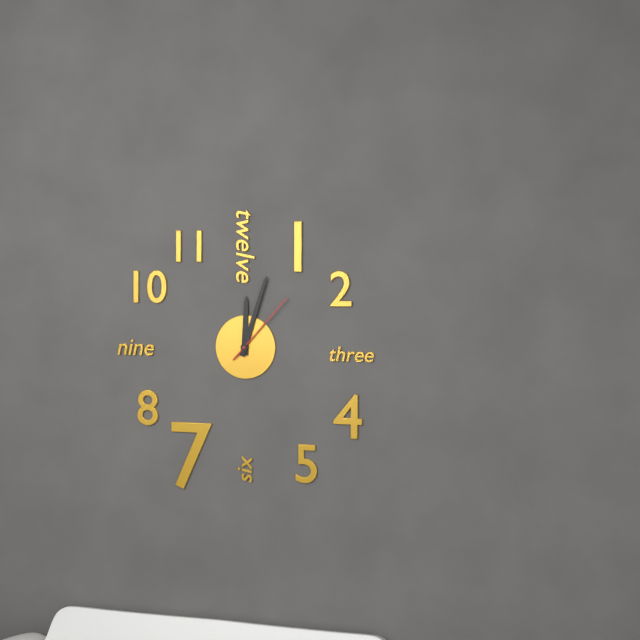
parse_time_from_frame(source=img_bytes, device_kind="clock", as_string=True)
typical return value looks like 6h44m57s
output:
12h03m07s
